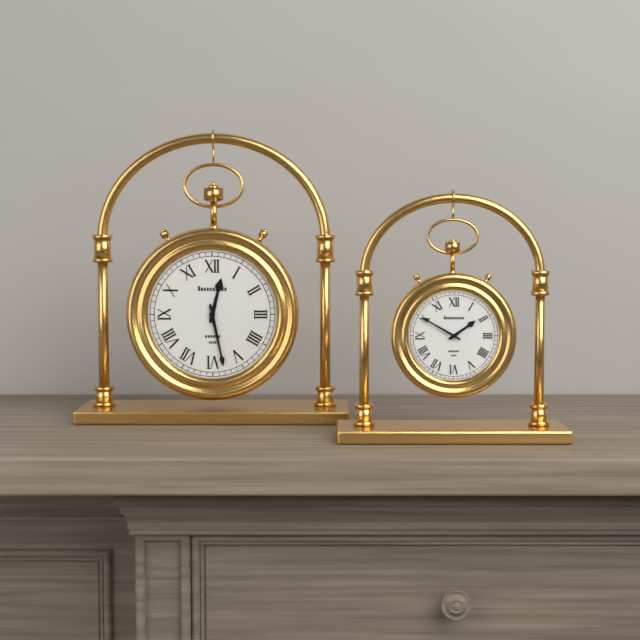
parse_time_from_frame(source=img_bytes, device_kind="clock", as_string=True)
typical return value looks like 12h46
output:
12h28
